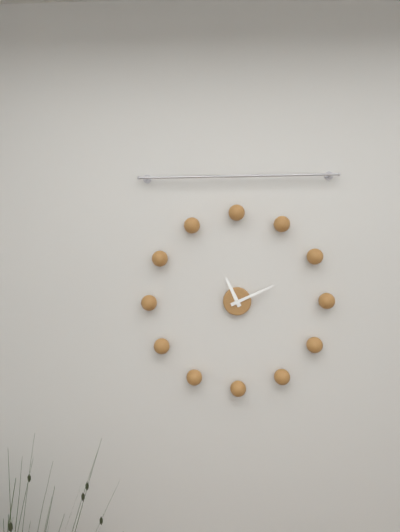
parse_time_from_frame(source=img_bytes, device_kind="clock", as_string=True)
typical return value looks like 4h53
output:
11h11
